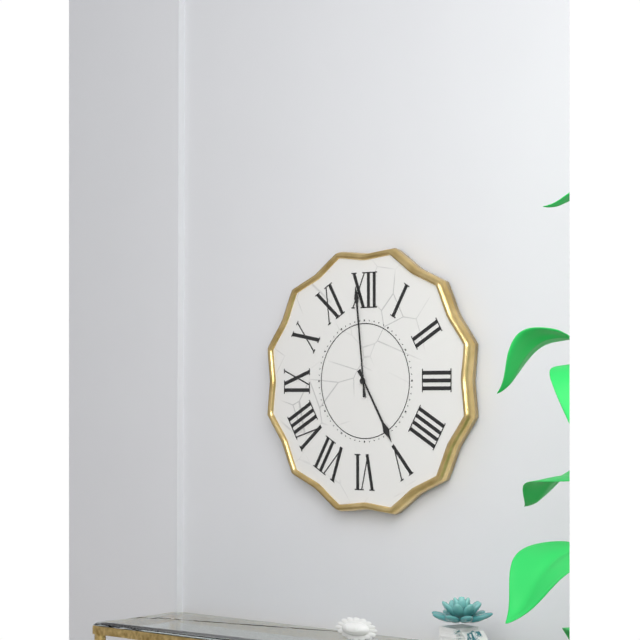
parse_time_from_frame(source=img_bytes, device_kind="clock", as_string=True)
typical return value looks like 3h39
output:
4h59
